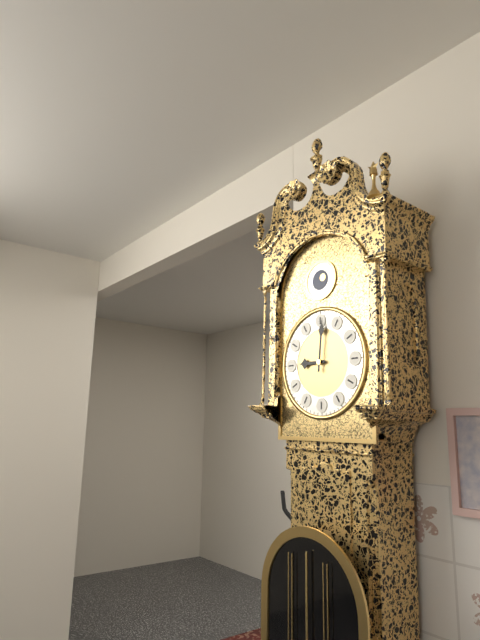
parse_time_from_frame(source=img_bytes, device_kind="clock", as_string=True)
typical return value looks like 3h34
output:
9h01
